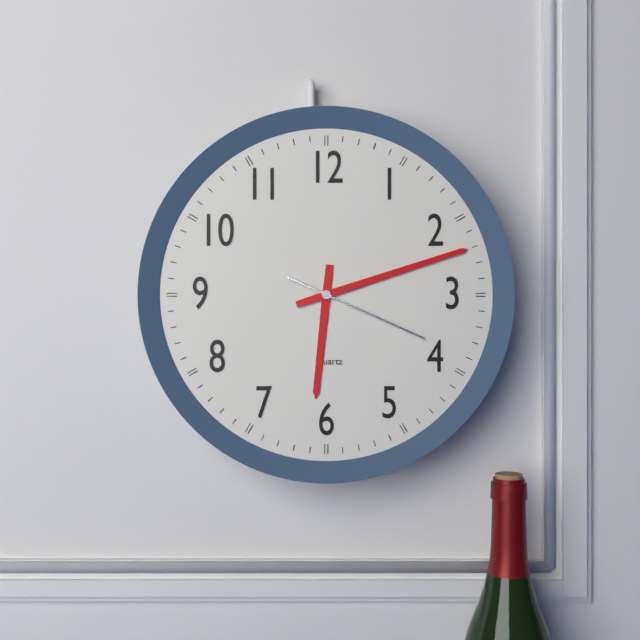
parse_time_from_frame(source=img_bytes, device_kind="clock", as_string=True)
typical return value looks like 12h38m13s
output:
6h12m19s
